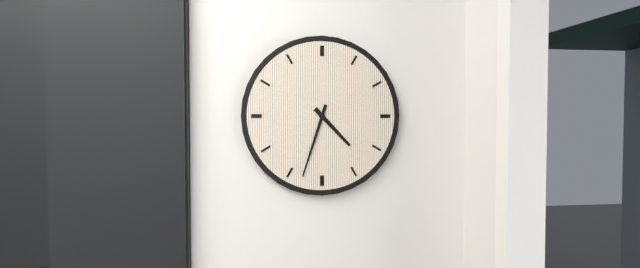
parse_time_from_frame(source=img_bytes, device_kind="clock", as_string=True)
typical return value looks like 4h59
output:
4h33
